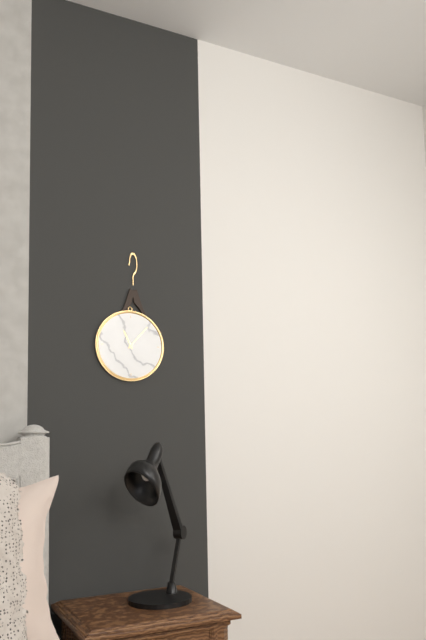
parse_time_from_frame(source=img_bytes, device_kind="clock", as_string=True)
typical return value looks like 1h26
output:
11h07
